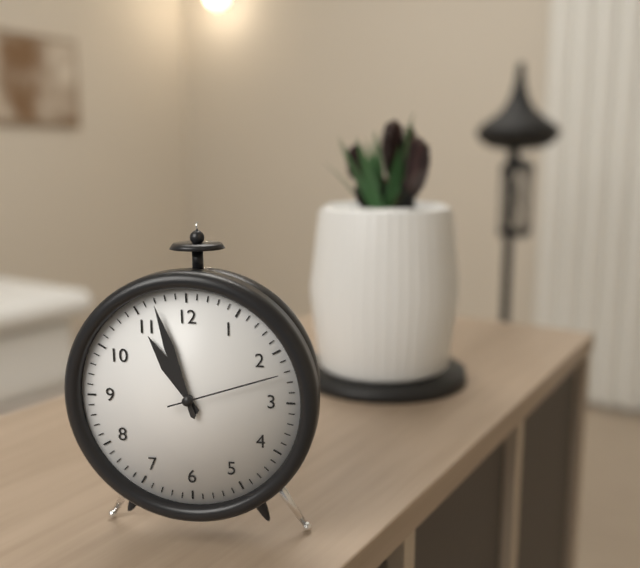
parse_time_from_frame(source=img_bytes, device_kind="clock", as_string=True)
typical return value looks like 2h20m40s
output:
10h57m12s
